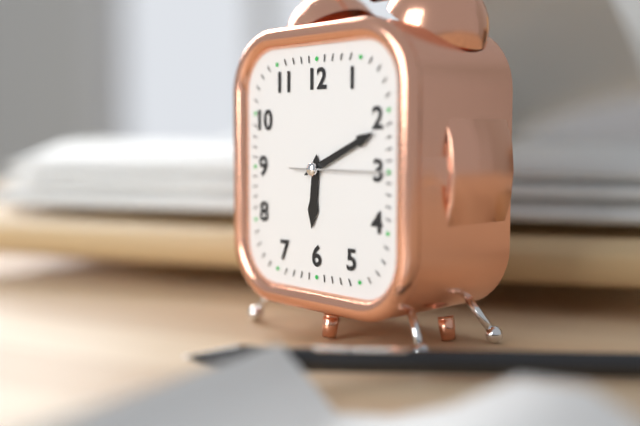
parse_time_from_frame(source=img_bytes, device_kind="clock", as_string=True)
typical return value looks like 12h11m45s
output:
6h11m15s
